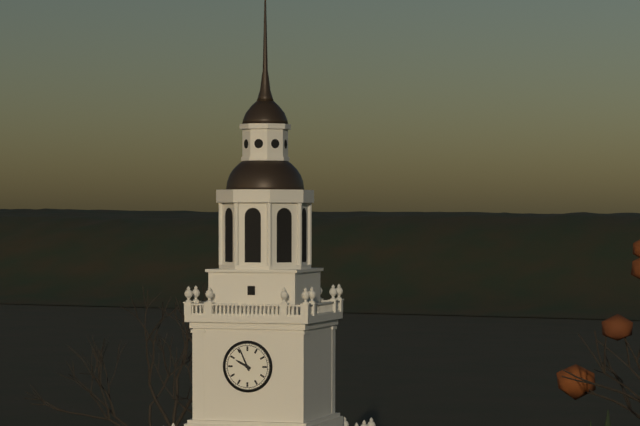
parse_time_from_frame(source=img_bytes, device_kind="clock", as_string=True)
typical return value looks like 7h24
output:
9h56
